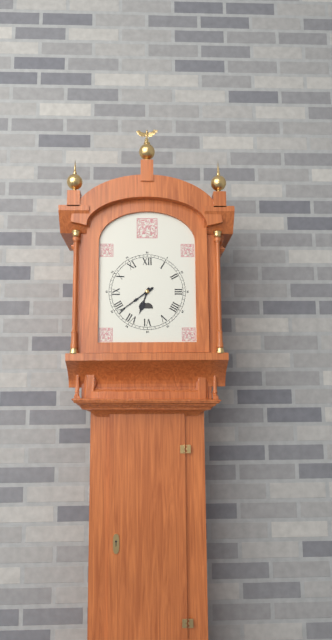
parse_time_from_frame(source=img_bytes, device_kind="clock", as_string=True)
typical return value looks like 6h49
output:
6h39
